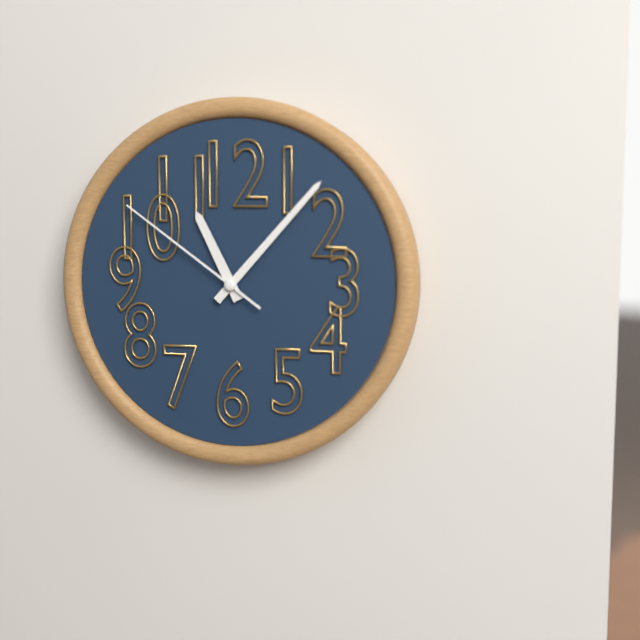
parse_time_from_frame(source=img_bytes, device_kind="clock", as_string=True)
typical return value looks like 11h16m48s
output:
11h07m51s
